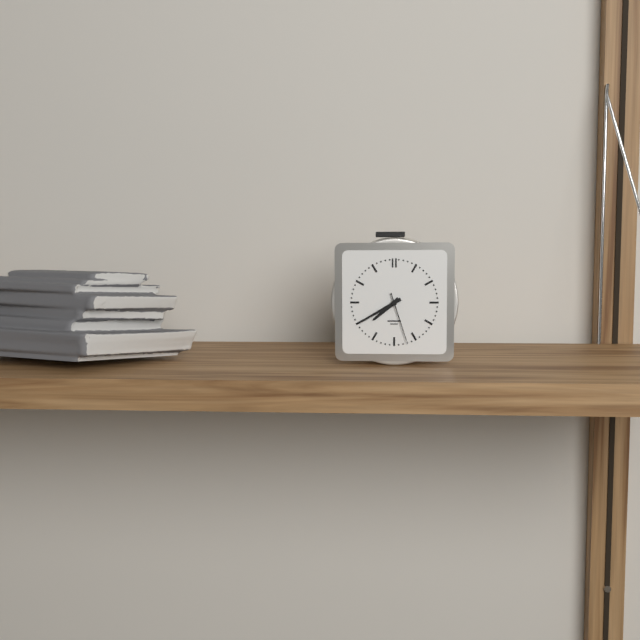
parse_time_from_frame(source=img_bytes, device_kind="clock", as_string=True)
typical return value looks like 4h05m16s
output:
7h40m27s
